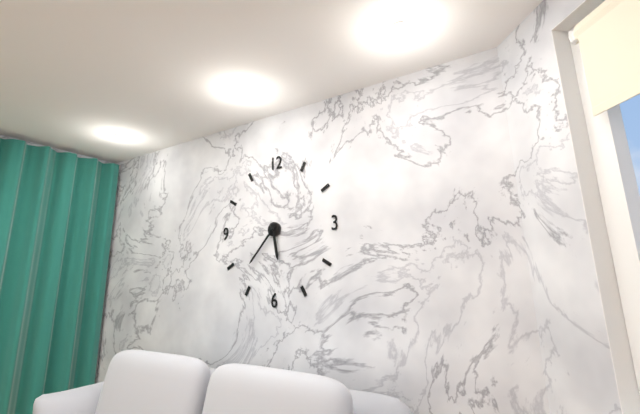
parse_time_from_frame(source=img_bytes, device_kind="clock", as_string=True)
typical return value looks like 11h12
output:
5h37
